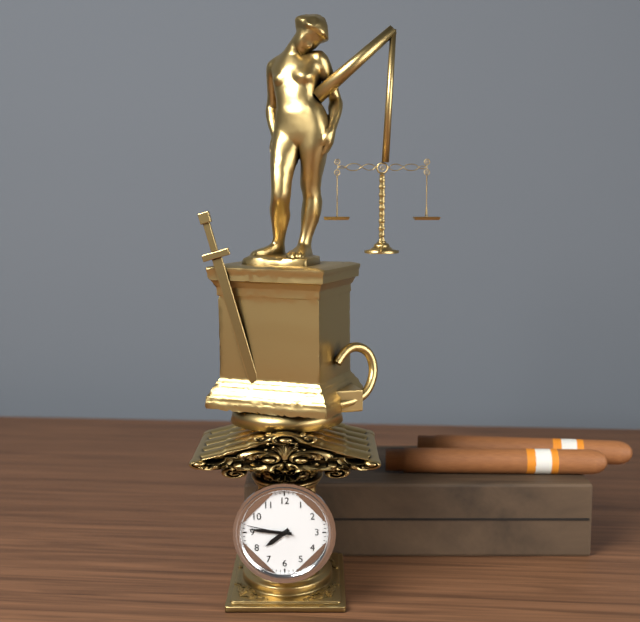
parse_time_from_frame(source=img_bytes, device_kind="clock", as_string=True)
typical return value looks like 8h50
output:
7h46
